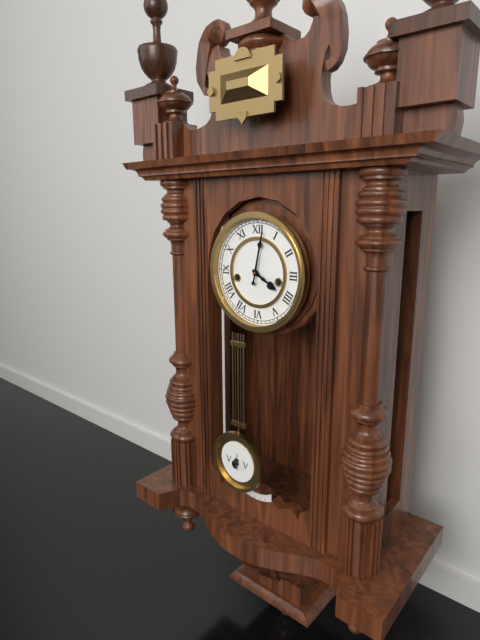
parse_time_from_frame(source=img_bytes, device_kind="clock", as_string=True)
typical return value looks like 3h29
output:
4h02
